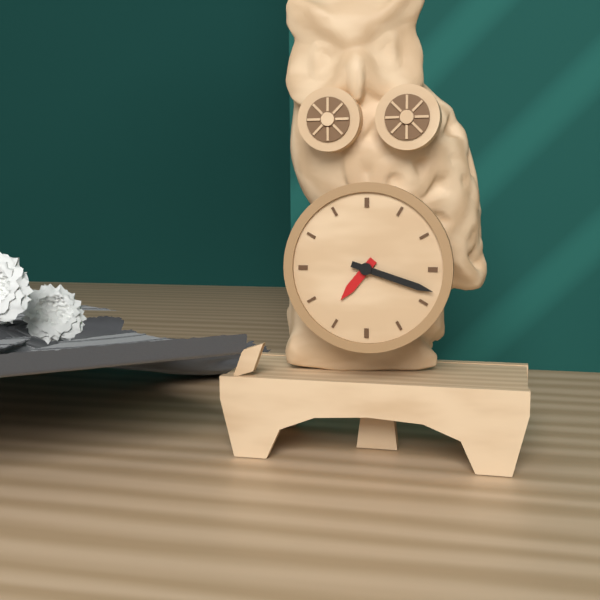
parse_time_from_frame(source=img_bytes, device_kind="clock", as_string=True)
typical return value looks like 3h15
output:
7h18
